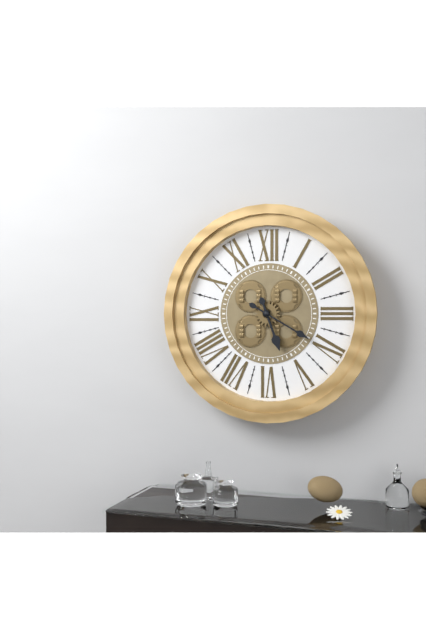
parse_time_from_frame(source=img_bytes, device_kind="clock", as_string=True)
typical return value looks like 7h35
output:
5h20
